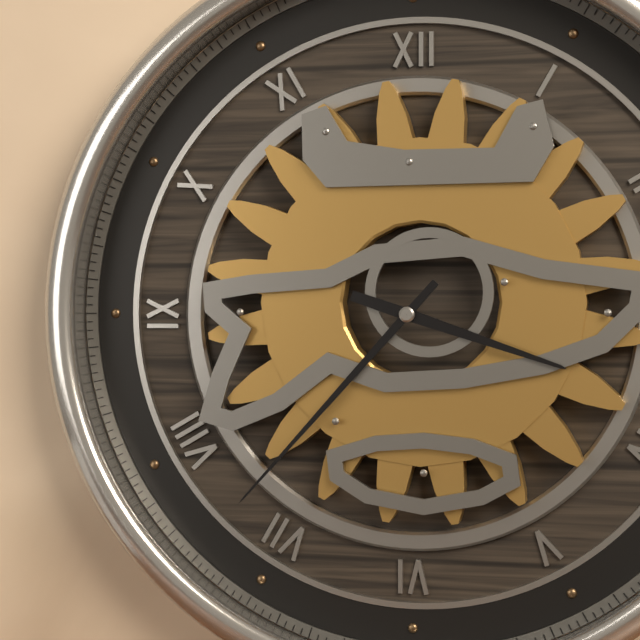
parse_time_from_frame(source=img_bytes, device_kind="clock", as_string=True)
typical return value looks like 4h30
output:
3h37
